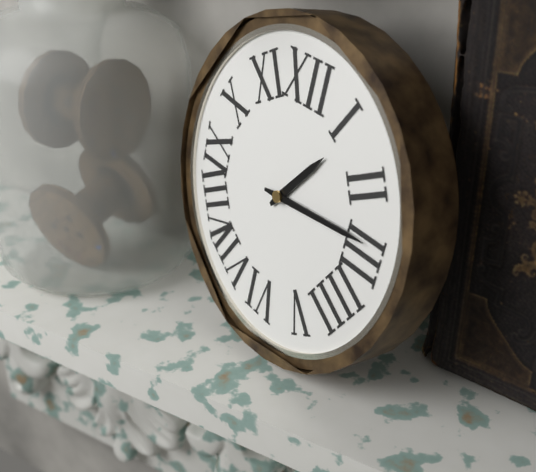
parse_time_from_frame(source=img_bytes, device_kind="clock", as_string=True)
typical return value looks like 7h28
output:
1h14
